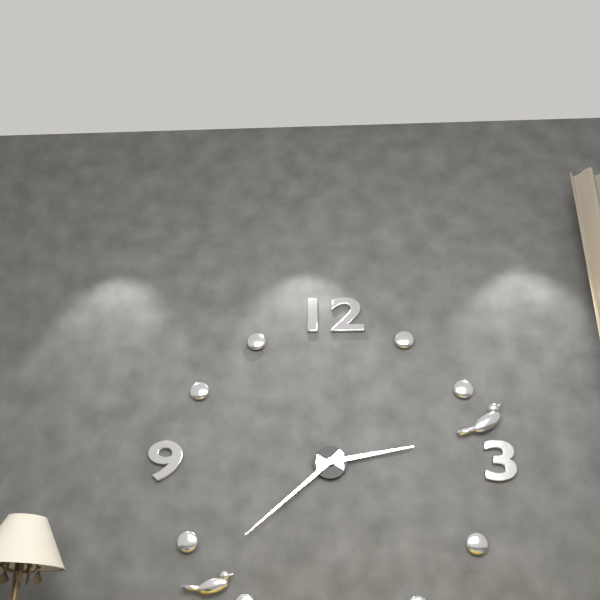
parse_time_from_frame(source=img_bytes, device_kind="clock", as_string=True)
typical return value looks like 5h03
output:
2h38
